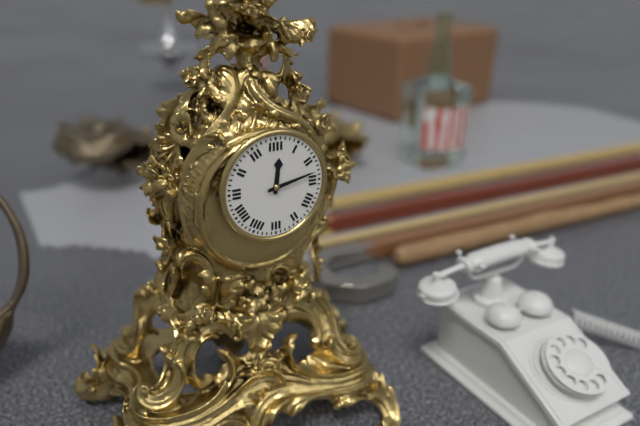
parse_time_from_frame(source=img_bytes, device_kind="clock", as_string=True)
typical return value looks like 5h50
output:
12h13
